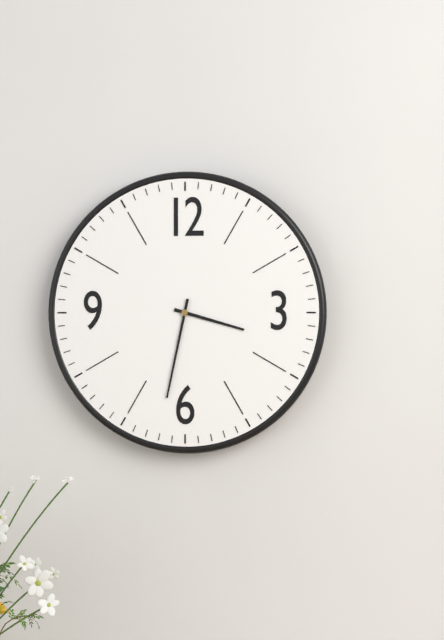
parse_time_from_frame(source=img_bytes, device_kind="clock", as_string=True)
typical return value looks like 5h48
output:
3h32
